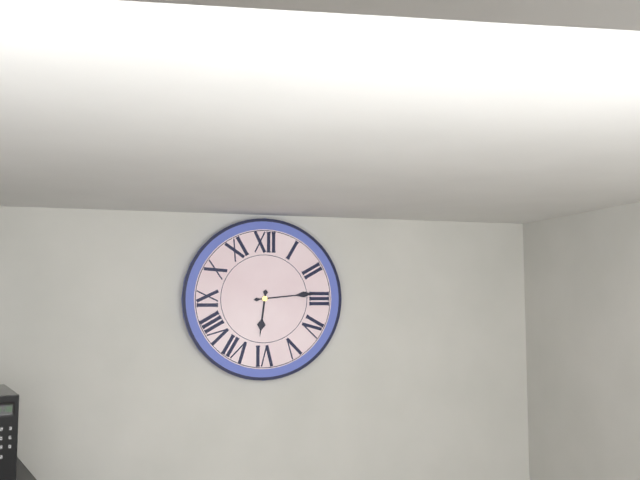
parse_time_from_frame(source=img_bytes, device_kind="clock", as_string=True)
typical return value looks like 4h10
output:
6h14
